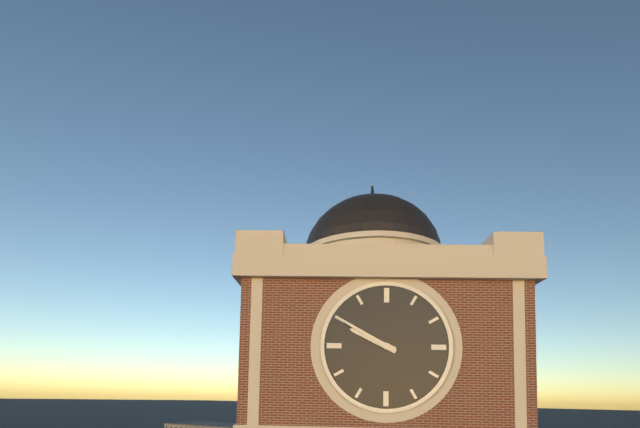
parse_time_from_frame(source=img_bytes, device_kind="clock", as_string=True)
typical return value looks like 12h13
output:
9h50
